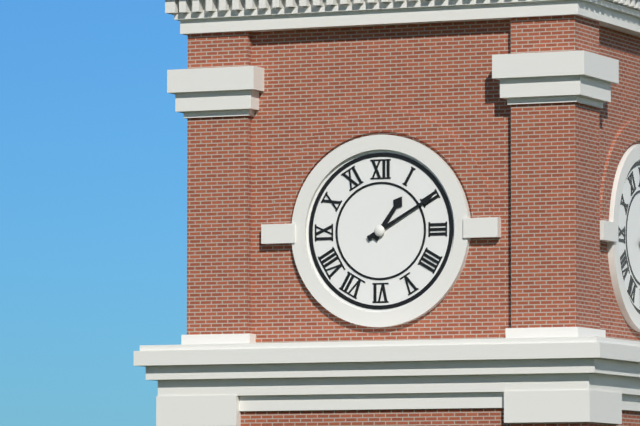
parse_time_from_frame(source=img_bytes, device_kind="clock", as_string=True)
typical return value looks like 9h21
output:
1h10
